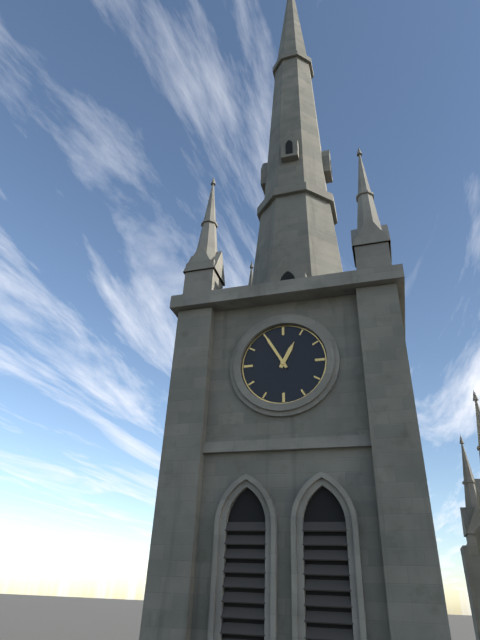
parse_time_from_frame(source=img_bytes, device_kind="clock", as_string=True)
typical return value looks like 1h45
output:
12h55
